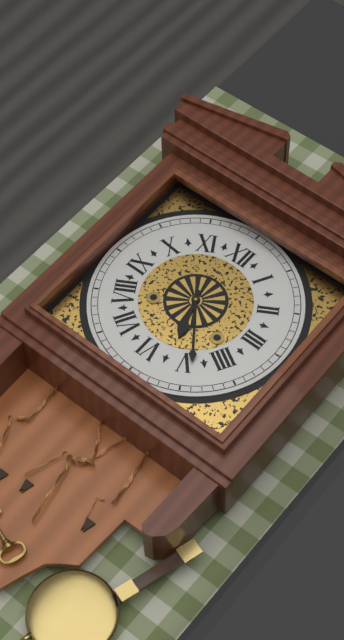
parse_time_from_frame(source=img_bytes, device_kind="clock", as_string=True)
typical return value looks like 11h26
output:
5h24
